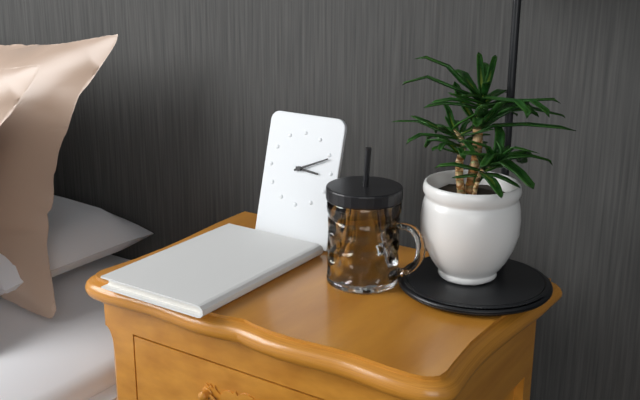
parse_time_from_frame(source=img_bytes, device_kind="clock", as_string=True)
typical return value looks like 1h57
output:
3h11
